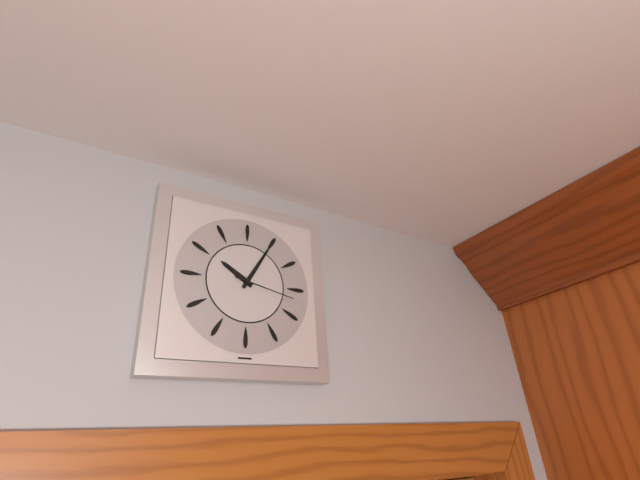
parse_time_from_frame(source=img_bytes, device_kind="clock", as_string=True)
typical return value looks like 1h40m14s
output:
10h05m17s
